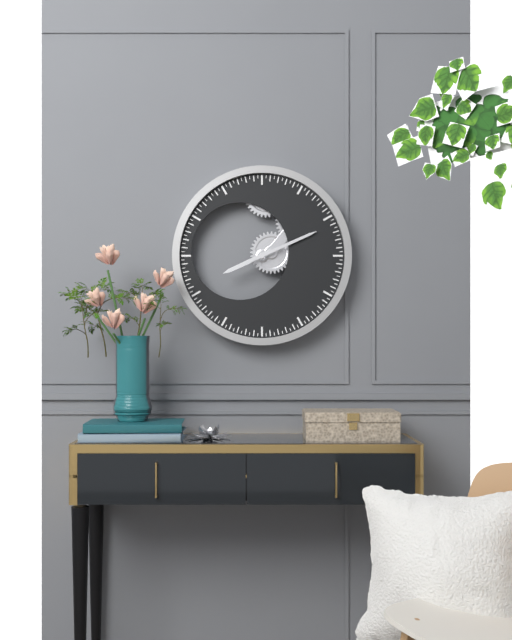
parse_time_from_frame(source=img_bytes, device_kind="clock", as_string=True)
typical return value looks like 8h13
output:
8h11
